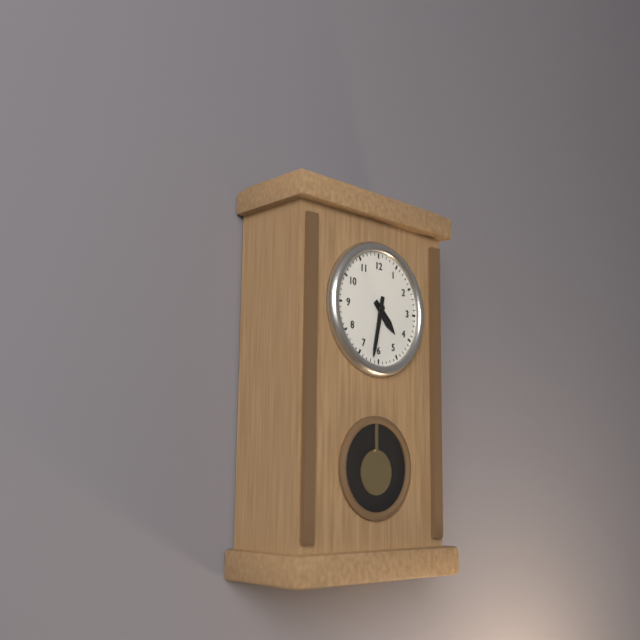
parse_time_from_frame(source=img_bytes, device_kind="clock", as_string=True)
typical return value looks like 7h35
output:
4h32
